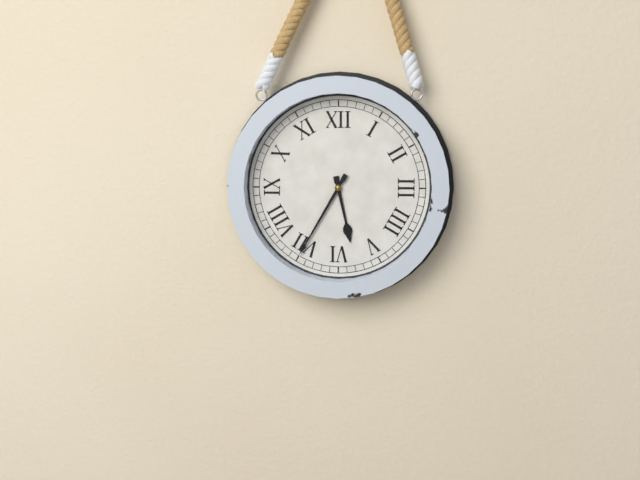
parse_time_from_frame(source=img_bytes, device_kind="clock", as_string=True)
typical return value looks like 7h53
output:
5h35
